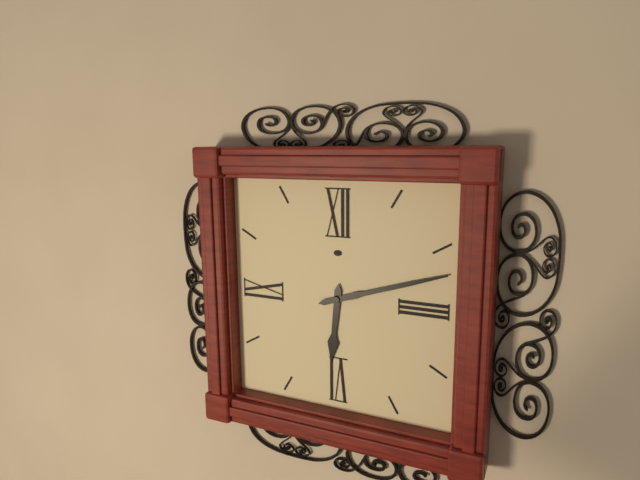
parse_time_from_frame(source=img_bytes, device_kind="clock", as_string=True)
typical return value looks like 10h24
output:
6h12
